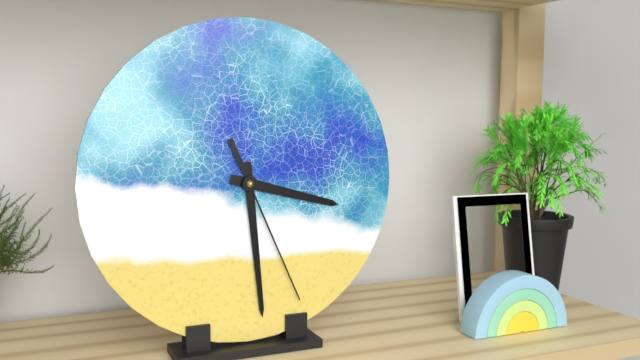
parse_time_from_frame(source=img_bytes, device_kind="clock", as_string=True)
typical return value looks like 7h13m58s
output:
3h29m26s
